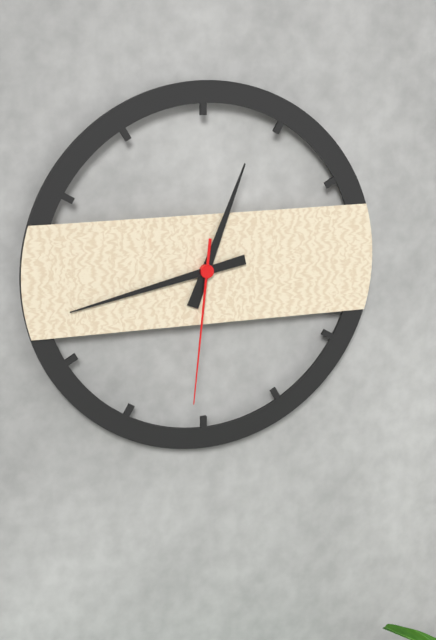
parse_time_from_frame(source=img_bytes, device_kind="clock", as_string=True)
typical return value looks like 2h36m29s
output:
12h43m31s
